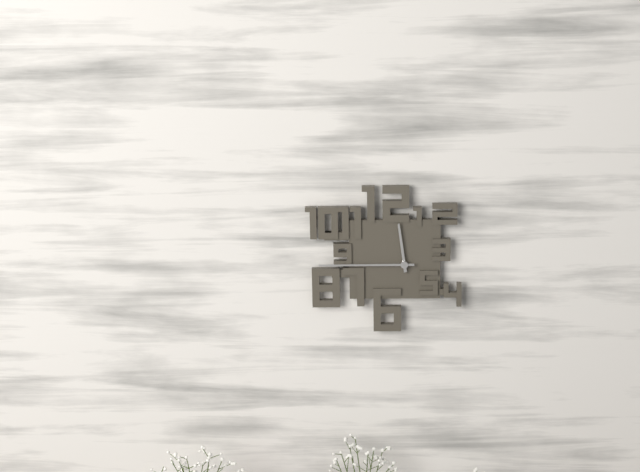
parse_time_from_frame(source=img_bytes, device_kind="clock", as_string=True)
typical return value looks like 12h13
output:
11h45
